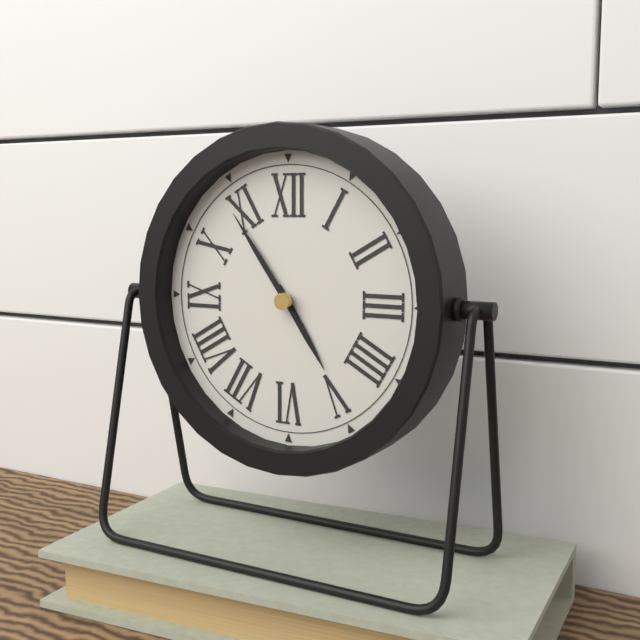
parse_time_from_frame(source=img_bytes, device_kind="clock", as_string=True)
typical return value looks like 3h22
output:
4h54
